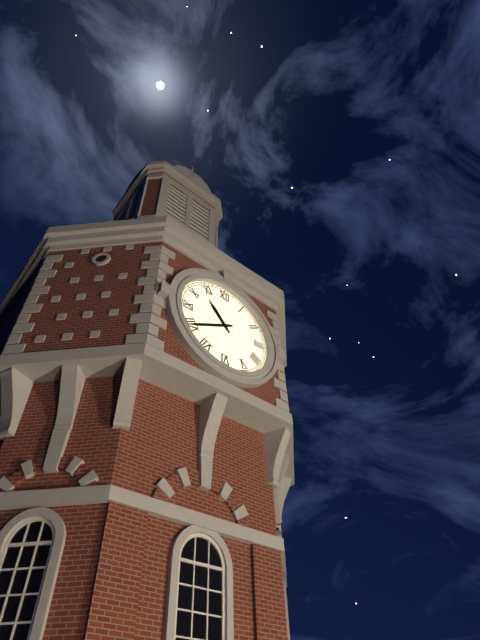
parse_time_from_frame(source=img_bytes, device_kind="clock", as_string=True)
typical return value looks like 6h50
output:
10h40
